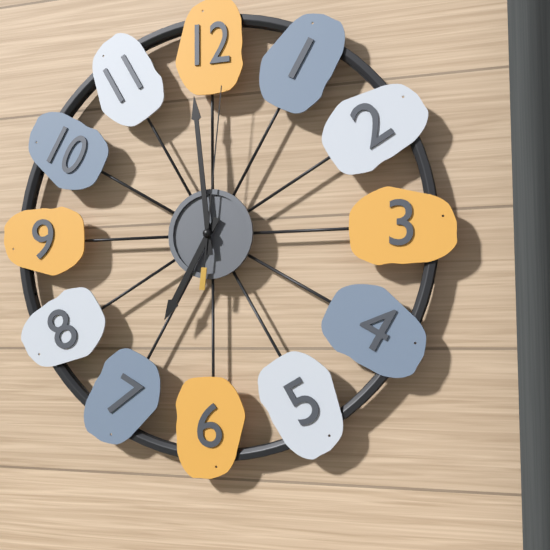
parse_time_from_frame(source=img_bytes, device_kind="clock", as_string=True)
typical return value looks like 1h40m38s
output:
6h59m01s
